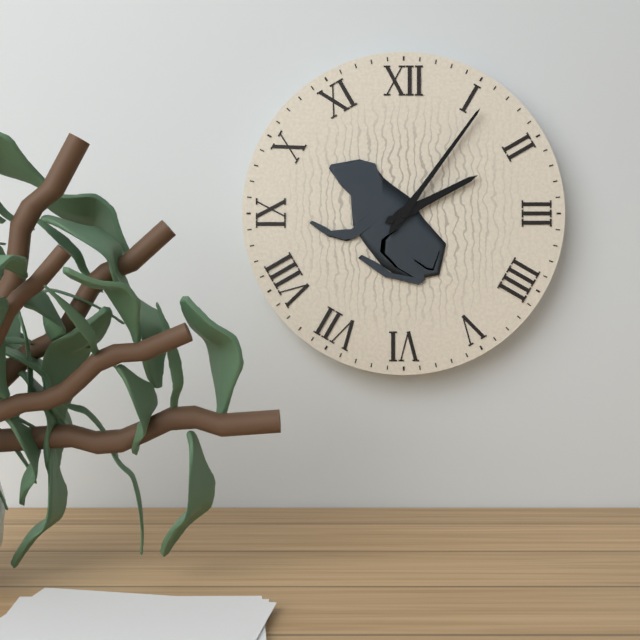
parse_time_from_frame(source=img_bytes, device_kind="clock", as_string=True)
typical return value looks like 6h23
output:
2h06
